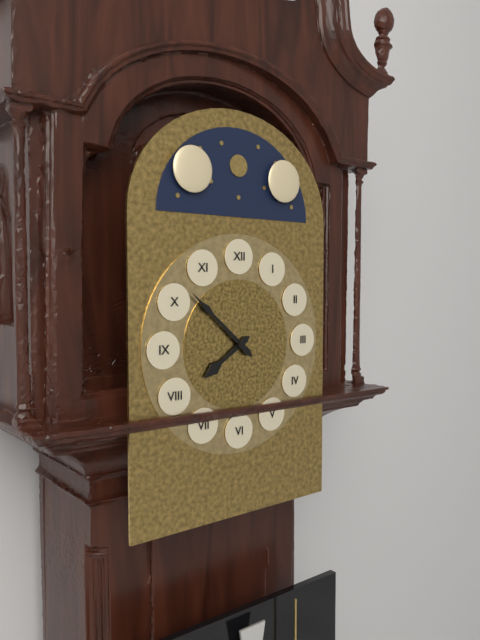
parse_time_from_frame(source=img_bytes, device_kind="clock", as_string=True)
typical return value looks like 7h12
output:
7h52
